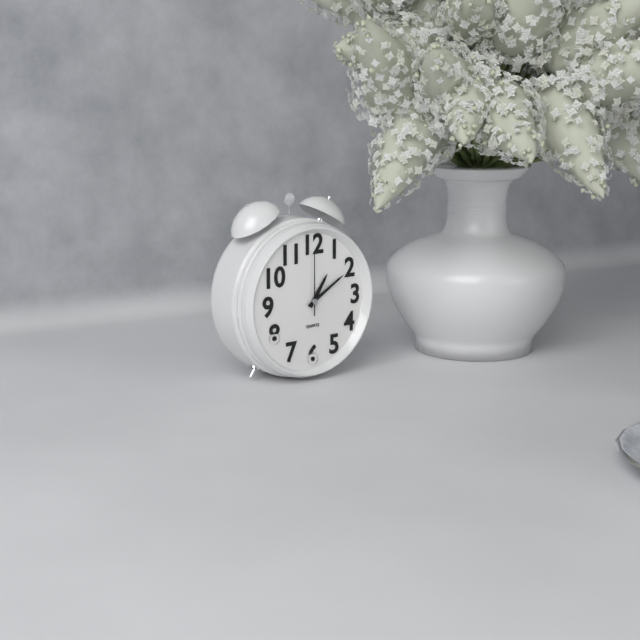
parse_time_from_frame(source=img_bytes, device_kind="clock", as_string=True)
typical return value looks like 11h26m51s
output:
1h10m00s
